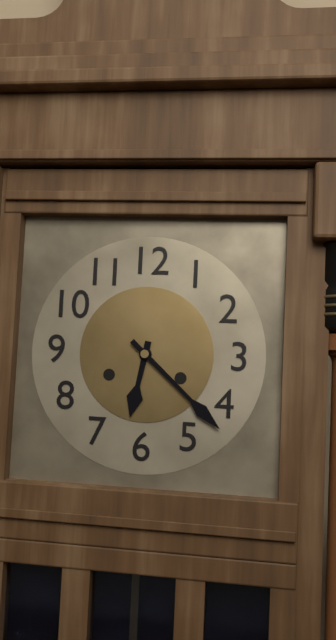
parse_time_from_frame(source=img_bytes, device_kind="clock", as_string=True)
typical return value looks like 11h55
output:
6h22
